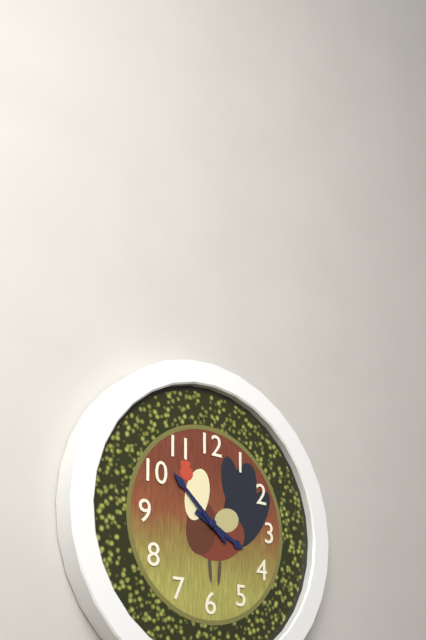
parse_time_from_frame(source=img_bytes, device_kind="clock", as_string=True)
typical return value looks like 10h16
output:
3h52
